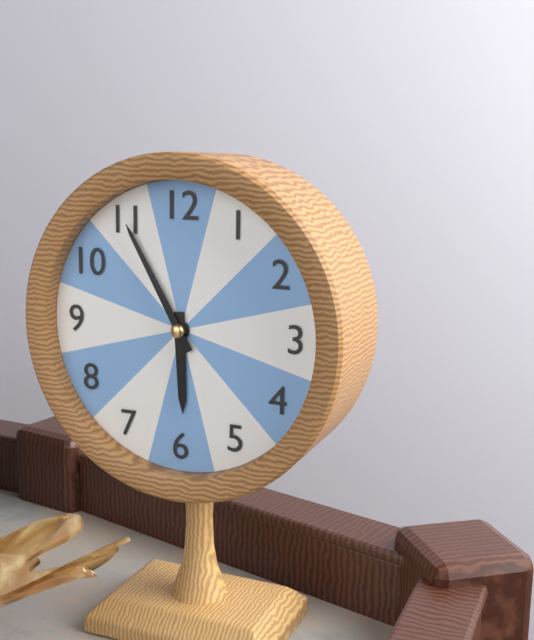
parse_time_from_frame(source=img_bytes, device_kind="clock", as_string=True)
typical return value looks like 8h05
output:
5h55
